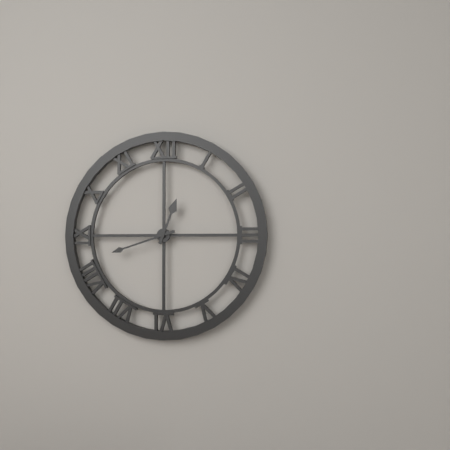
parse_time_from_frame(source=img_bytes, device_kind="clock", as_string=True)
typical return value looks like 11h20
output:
12h42
